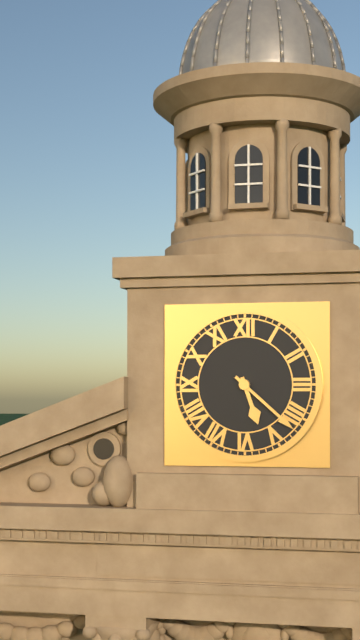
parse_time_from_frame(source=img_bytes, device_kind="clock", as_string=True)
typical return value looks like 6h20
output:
5h22
